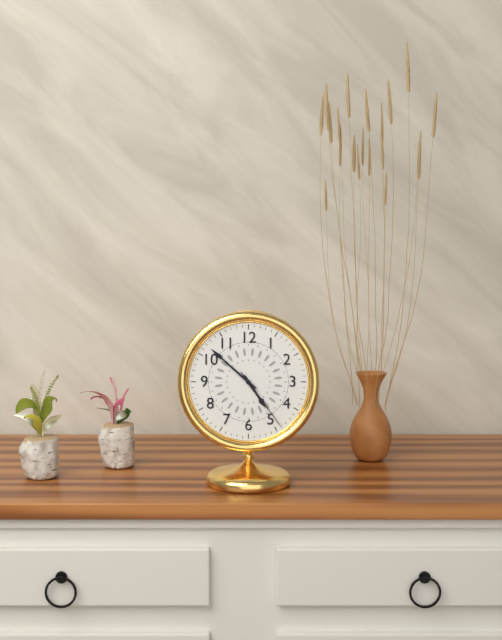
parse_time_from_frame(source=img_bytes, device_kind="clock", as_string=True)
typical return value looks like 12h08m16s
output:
4h52m24s
